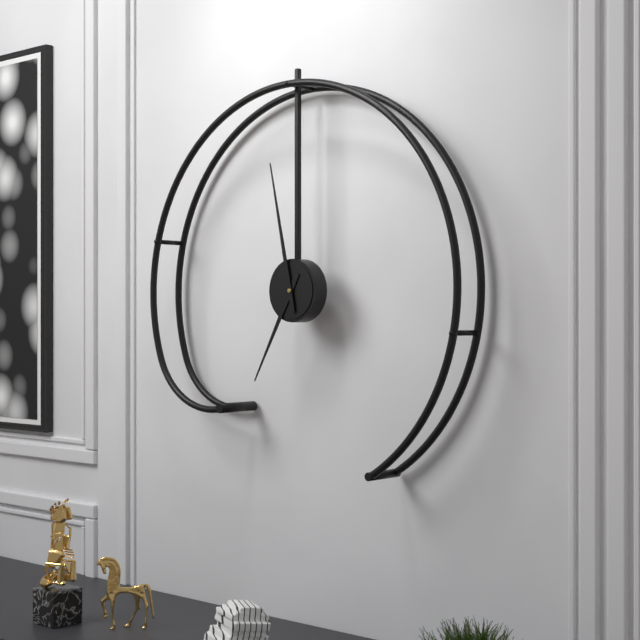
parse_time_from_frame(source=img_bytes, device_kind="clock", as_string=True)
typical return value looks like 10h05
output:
6h58
